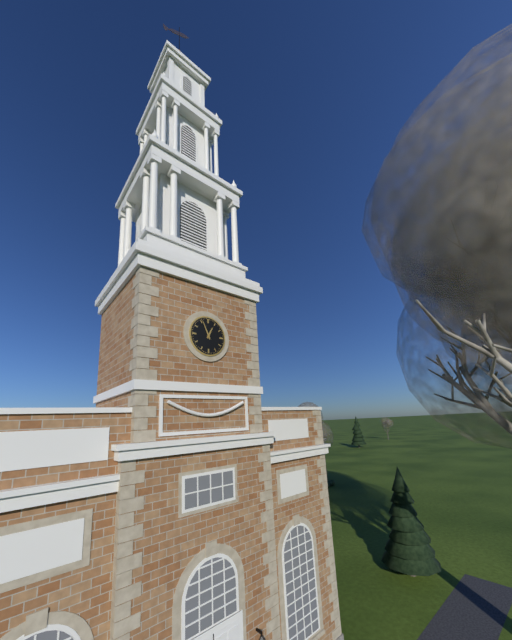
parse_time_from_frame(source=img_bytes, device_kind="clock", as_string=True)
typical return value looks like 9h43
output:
12h56
